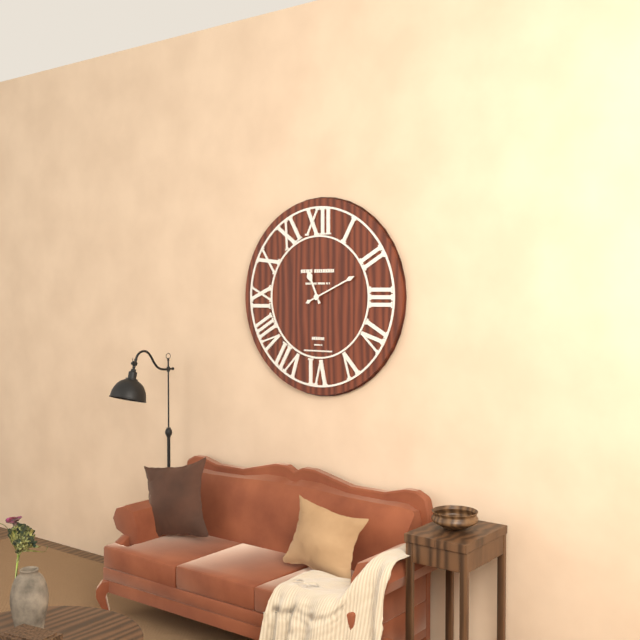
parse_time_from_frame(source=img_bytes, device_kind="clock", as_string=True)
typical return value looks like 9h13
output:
11h11
